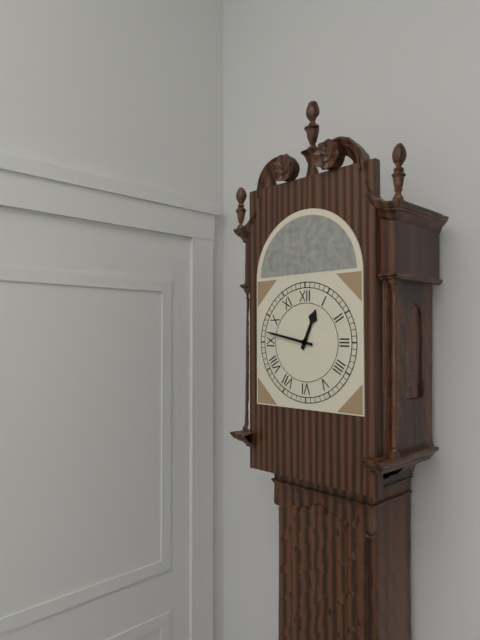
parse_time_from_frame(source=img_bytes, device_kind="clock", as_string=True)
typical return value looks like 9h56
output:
12h47
